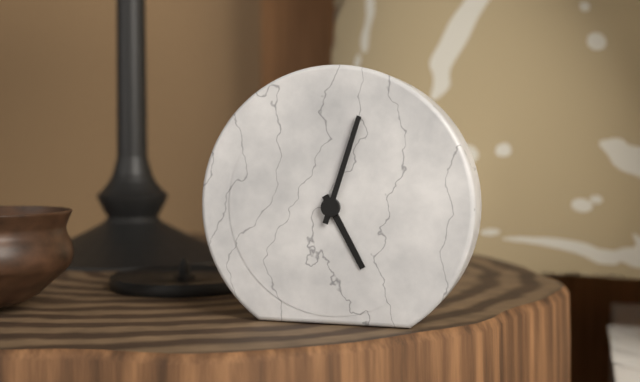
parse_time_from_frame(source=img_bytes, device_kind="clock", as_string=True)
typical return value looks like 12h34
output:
5h03
